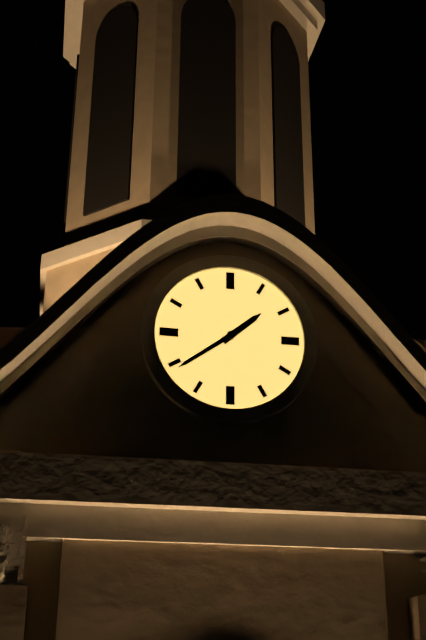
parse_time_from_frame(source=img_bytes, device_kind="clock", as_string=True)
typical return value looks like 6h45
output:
1h39
